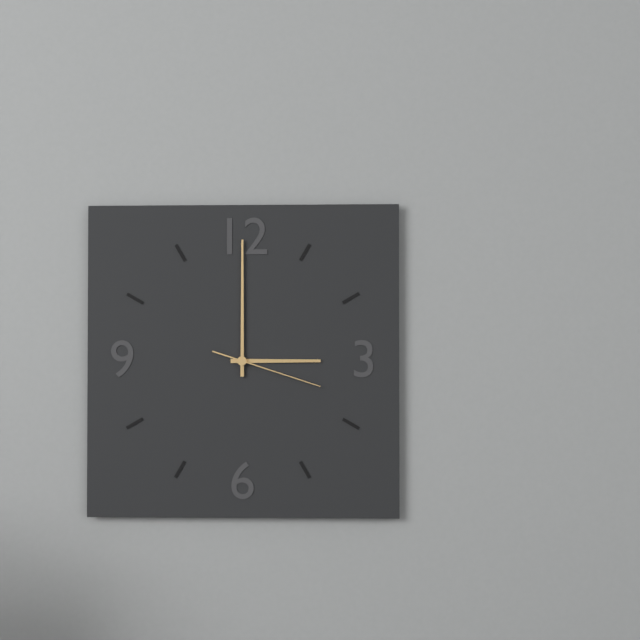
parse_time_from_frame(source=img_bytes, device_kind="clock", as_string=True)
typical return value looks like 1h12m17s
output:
3h00m18s
